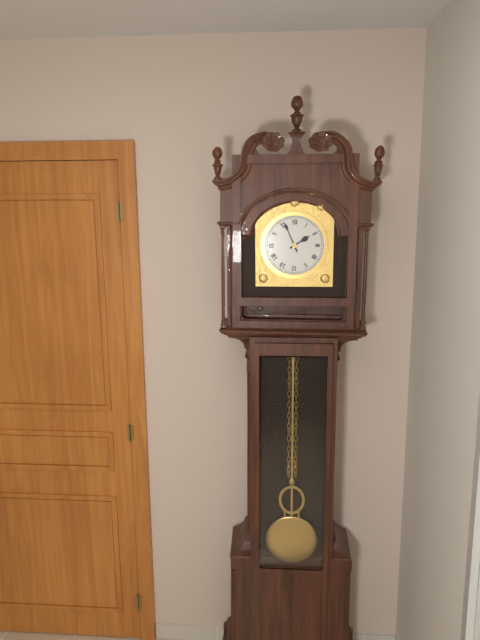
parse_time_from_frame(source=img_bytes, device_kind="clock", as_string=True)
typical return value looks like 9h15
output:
1h56
